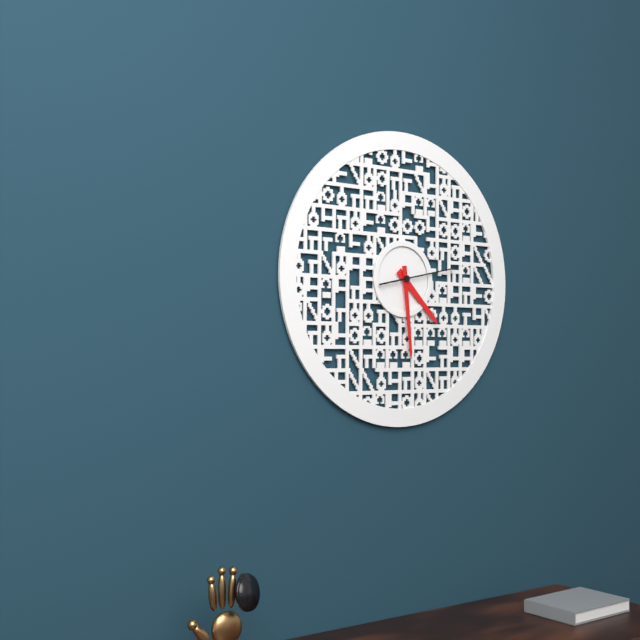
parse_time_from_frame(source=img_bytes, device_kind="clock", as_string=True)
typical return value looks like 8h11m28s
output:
4h29m13s
